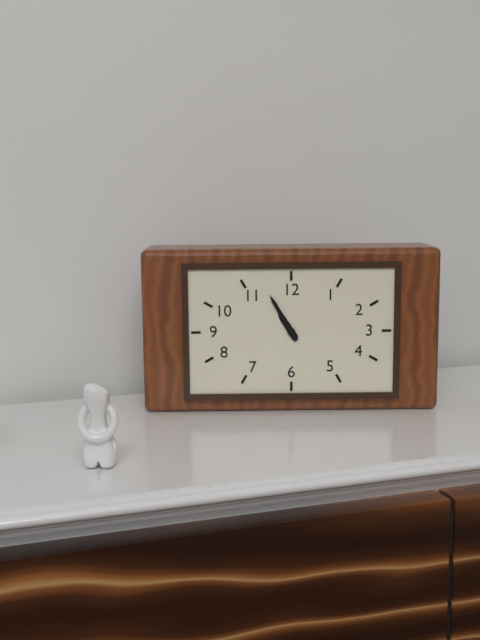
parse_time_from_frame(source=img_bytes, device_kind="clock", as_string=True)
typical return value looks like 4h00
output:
10h55
